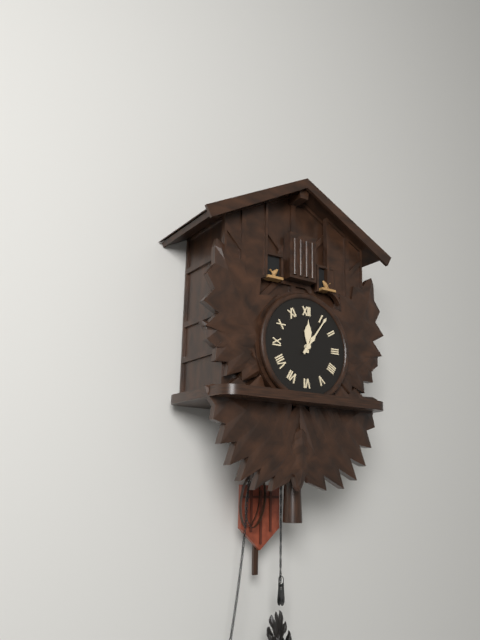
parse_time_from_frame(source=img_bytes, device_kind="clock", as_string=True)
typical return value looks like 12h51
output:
12h06
